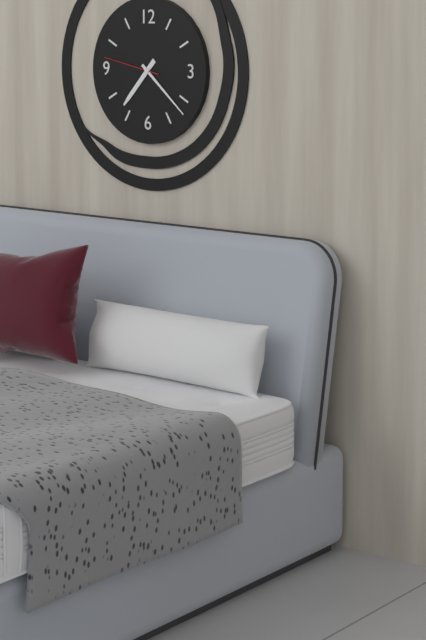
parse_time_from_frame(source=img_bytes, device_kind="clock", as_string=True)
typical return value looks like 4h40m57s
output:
7h22m47s
